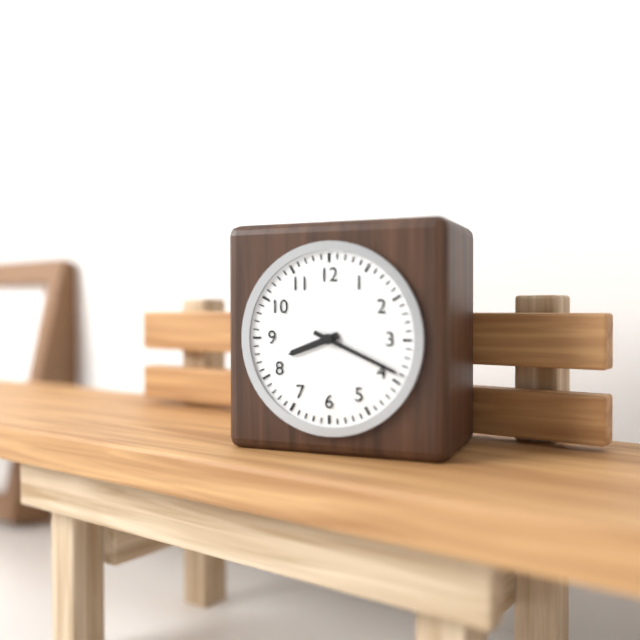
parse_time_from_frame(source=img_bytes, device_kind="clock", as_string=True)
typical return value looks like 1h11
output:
8h19
